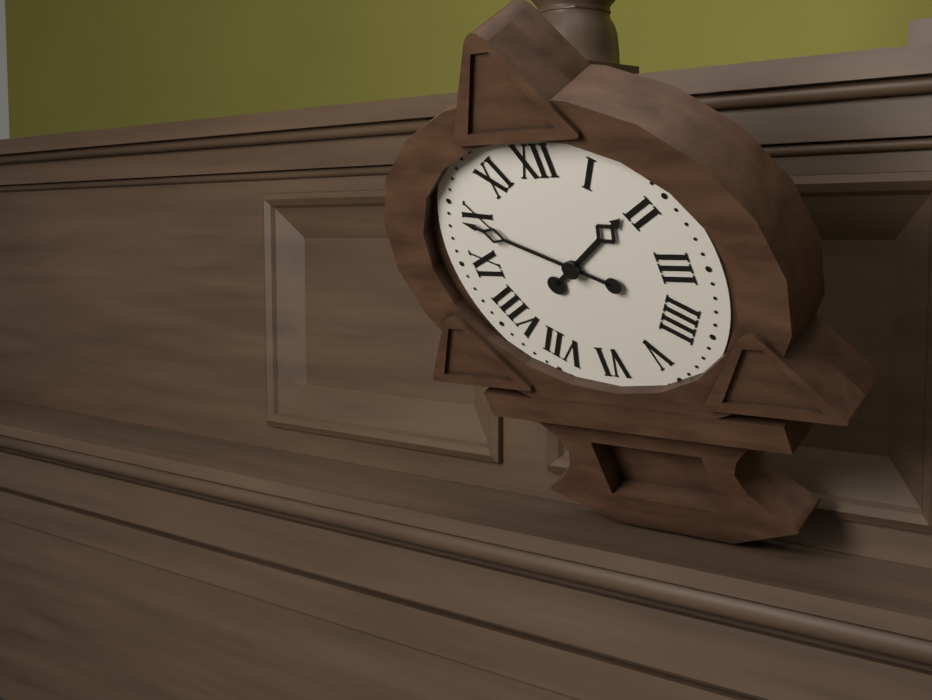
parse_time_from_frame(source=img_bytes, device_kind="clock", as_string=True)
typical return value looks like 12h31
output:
1h49
